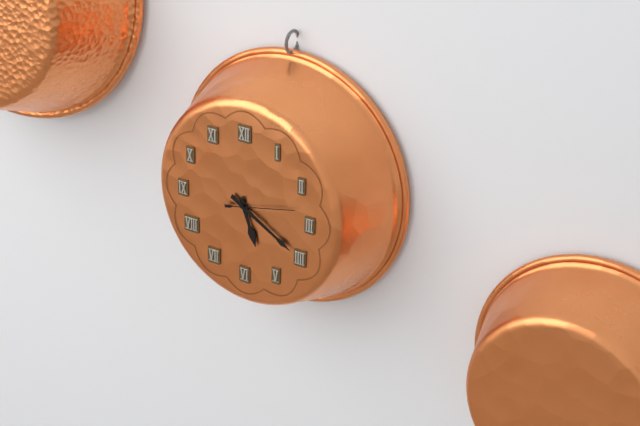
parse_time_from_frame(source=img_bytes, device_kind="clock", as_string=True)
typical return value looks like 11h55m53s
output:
5h20m13s
